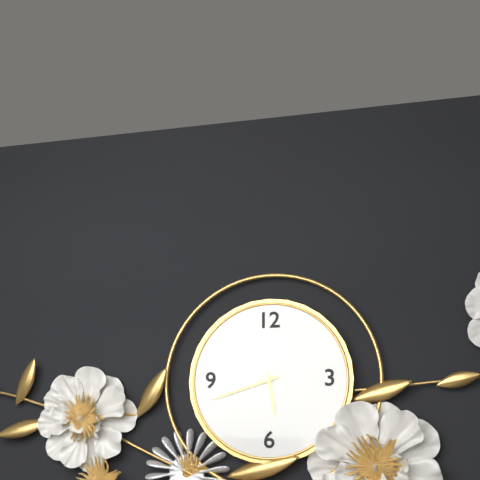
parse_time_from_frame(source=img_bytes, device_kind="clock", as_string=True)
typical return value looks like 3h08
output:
5h42
